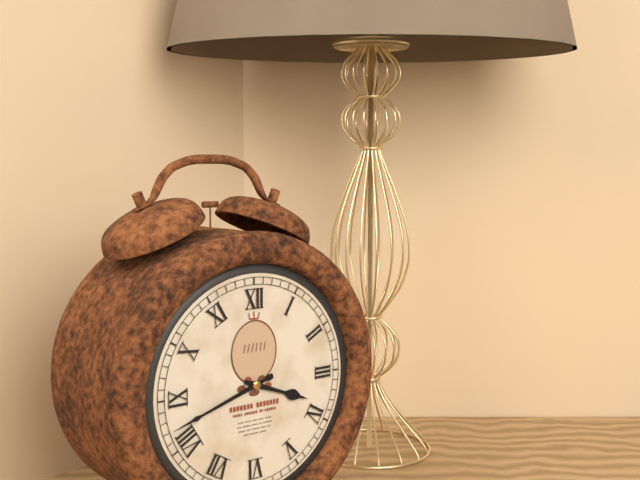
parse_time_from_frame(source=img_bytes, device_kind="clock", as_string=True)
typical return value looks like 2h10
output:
3h42
